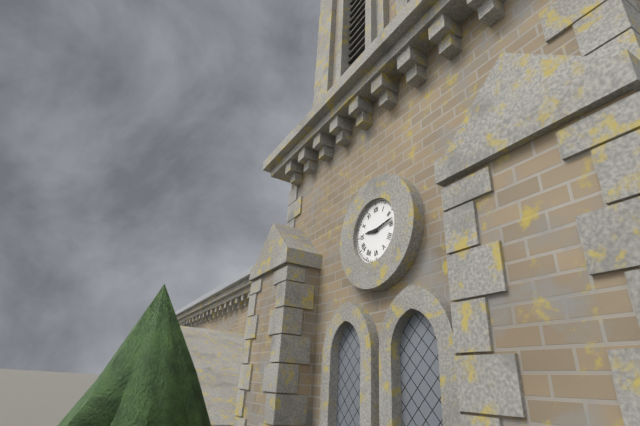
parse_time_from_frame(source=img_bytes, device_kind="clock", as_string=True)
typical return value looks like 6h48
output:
9h13
